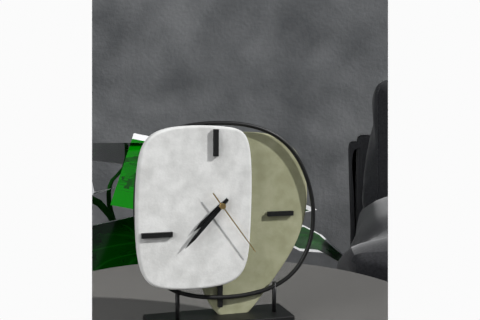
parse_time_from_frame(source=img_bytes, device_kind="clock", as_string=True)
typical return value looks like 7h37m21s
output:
7h37m24s
